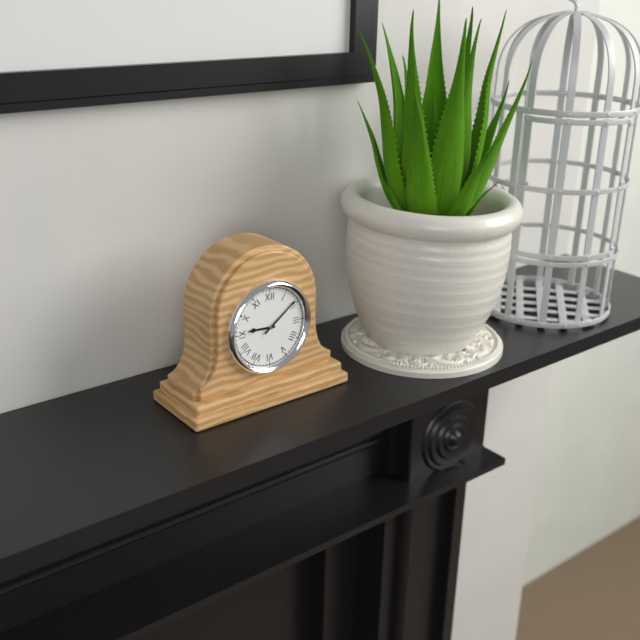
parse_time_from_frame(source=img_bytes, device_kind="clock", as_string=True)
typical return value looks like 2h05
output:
9h09
